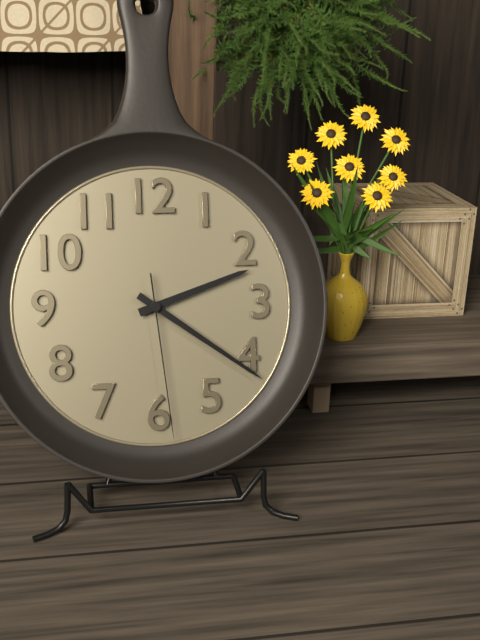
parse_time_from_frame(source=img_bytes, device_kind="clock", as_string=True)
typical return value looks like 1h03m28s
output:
2h21m29s
